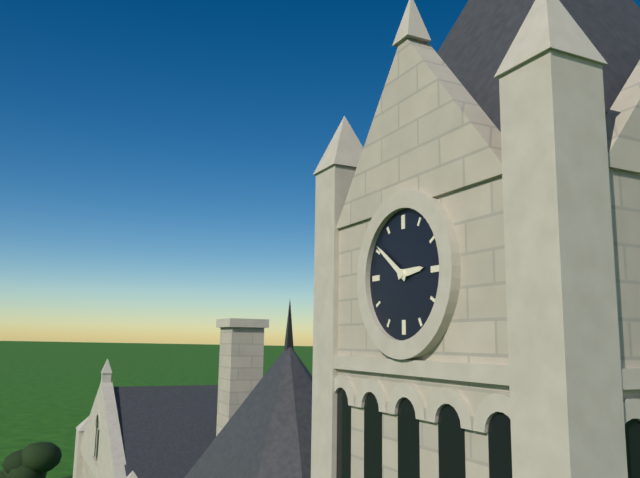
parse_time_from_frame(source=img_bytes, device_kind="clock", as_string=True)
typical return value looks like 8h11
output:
2h51
